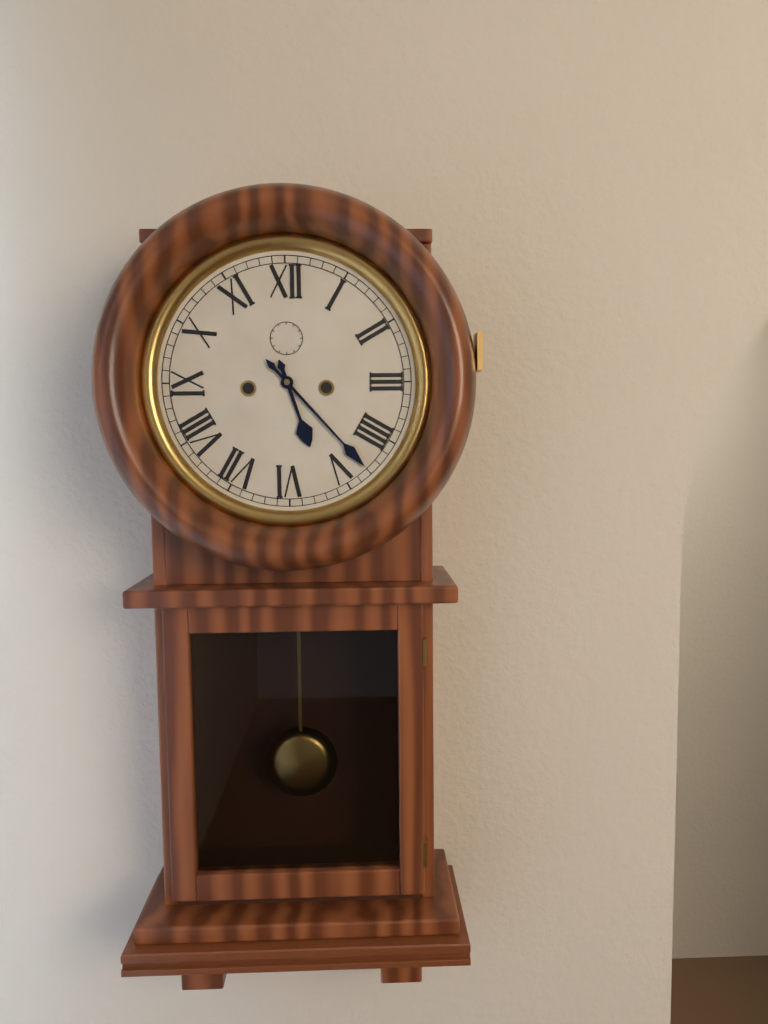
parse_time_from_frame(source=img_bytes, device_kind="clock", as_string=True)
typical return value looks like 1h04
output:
5h23
